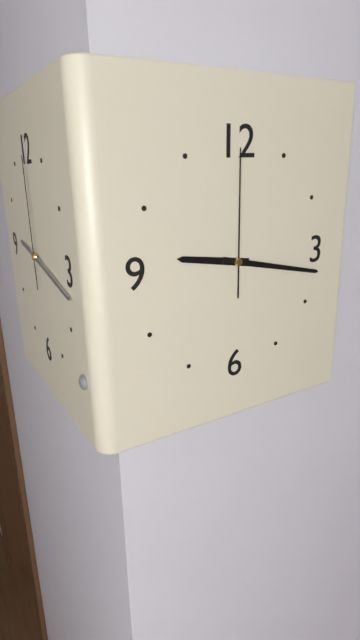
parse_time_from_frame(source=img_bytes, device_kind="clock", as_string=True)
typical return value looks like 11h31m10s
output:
9h17m00s
